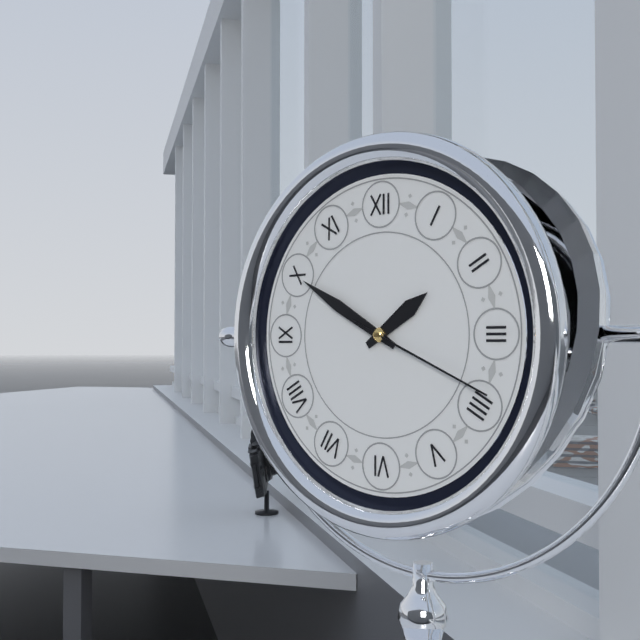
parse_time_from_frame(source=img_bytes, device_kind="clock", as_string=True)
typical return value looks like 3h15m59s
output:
1h50m19s
